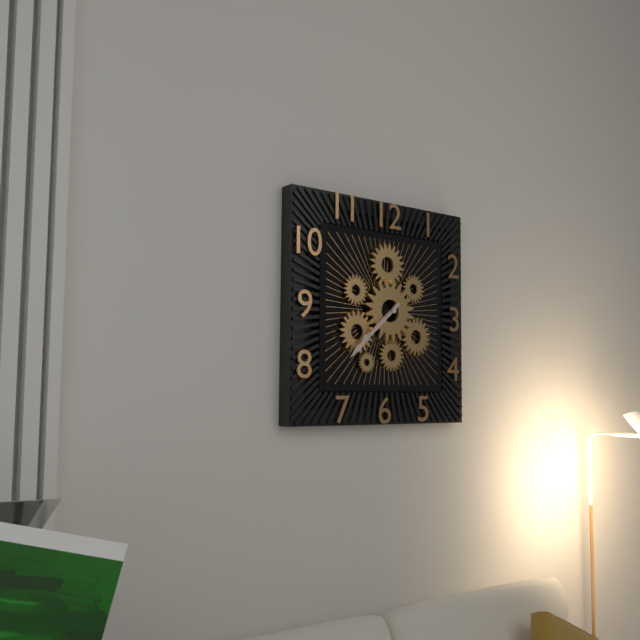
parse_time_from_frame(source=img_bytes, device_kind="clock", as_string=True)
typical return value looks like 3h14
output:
7h38
